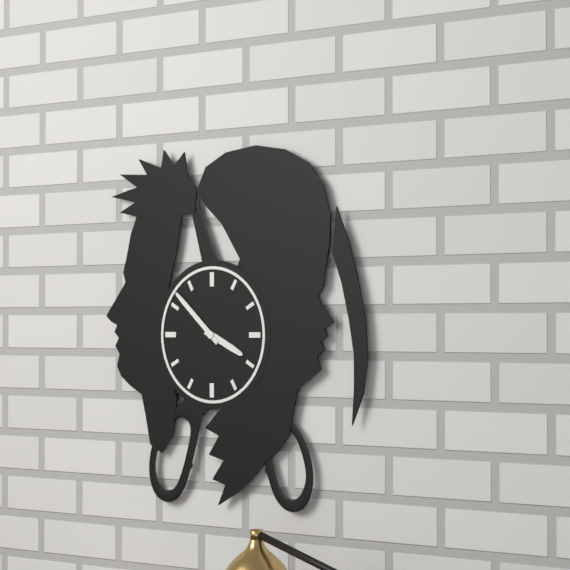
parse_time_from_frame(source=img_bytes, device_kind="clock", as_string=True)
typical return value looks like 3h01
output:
3h52
